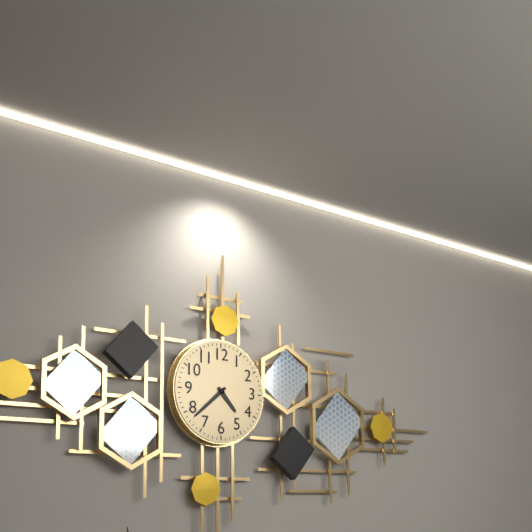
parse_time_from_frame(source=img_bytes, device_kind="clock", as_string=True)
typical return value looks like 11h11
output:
4h38
